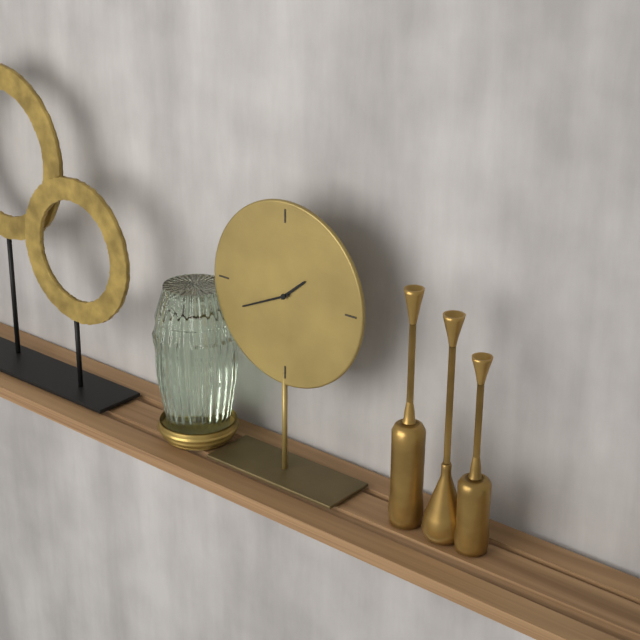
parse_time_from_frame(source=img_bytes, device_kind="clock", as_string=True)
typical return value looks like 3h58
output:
1h41
